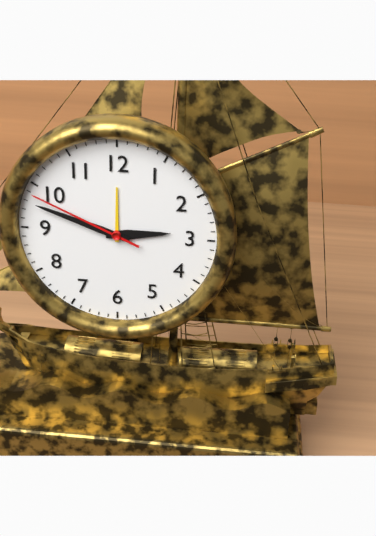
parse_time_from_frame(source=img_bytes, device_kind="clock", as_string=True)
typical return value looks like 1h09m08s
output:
2h48m49s
